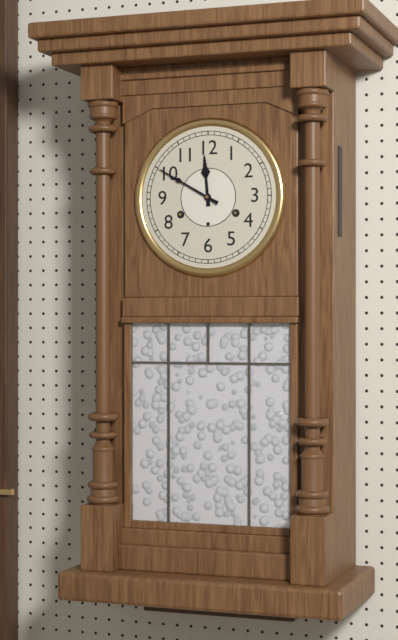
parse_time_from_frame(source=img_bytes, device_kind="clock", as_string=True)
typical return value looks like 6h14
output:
11h50
